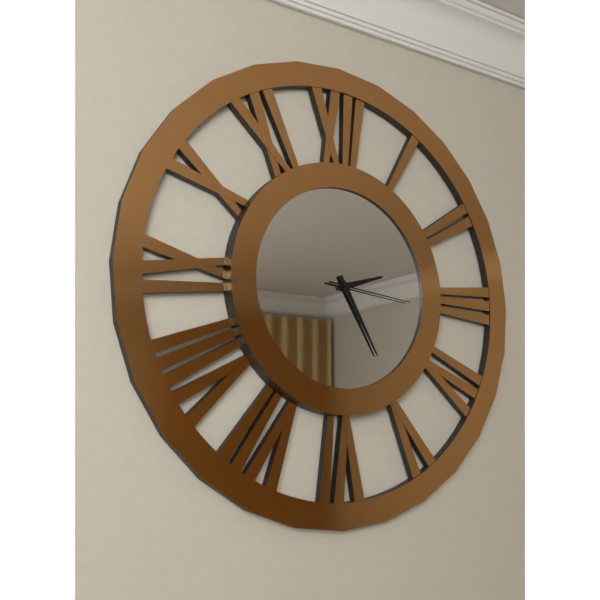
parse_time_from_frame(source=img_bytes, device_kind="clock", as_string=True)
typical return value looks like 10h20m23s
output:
2h25m16s
